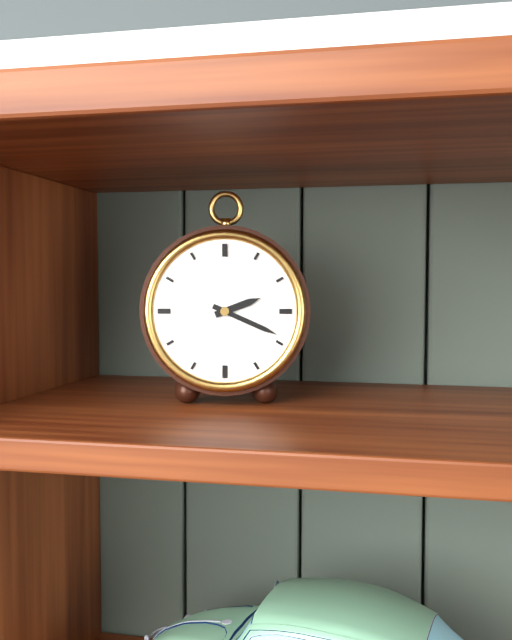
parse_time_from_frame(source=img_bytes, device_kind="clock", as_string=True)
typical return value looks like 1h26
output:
2h19
